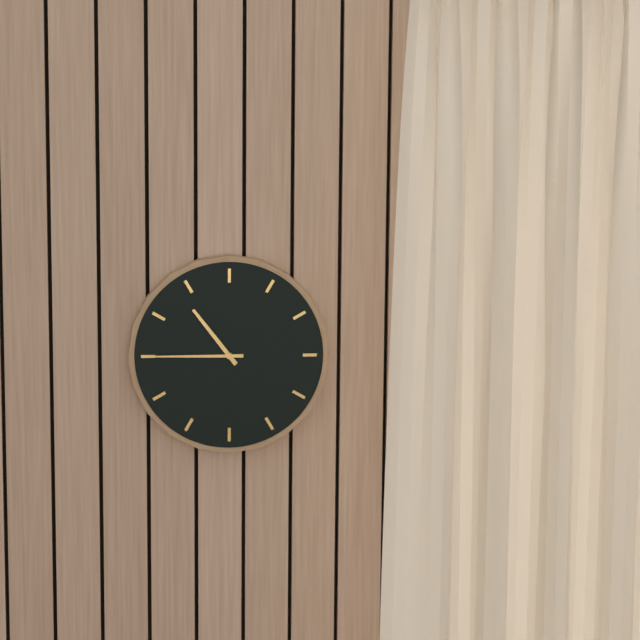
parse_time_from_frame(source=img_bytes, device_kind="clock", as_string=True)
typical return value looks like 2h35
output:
10h45
